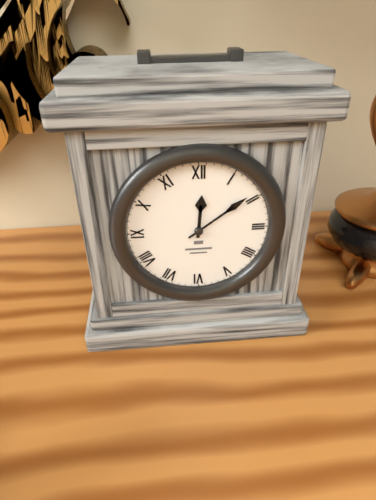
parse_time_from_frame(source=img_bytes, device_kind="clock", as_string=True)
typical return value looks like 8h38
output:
12h09
